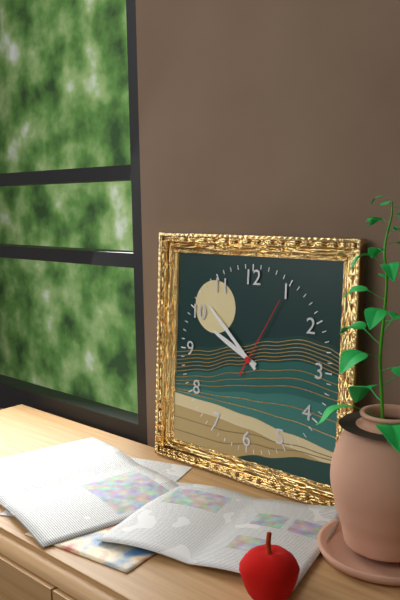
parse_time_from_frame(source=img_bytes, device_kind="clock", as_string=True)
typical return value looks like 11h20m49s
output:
9h52m05s
